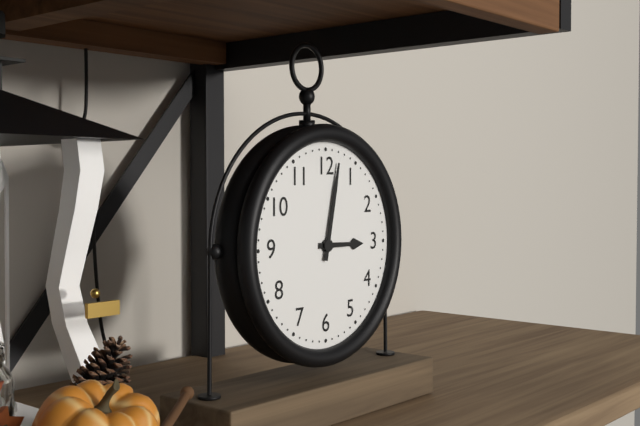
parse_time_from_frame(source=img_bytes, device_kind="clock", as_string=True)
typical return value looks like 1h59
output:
3h02
